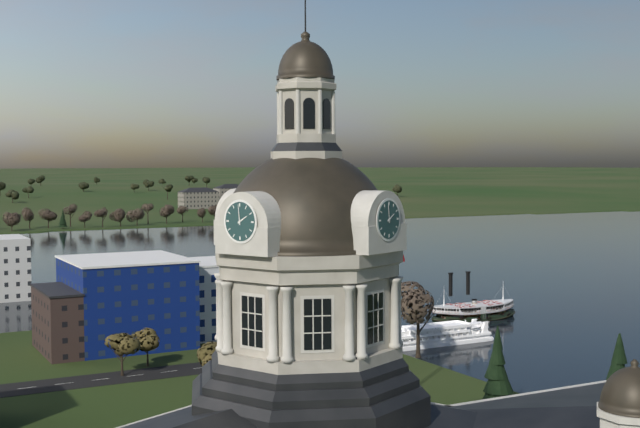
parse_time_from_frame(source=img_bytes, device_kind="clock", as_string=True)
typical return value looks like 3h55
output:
1h59
